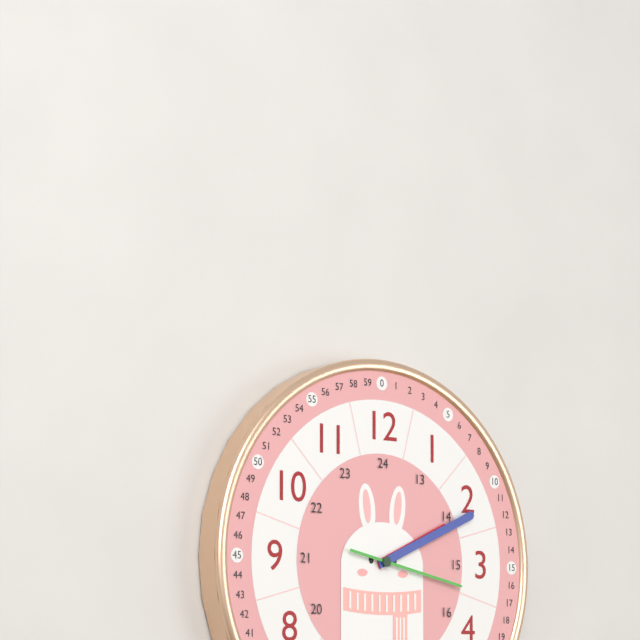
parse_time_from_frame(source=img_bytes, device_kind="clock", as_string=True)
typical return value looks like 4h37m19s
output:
2h11m17s
